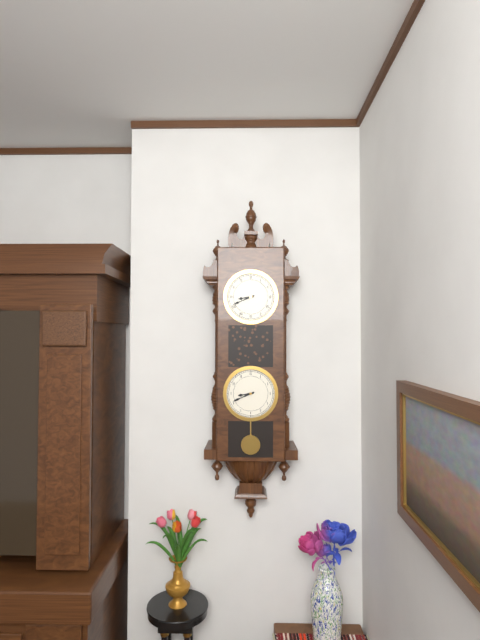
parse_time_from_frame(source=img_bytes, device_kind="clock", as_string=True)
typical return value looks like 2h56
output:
8h41
